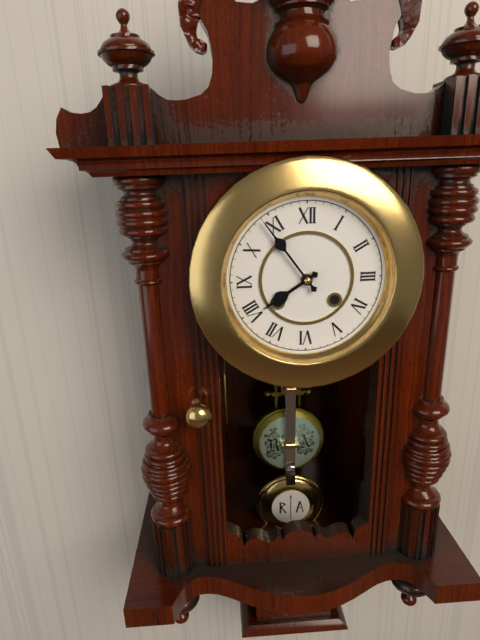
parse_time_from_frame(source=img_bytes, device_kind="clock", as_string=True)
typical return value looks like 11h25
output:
7h54
